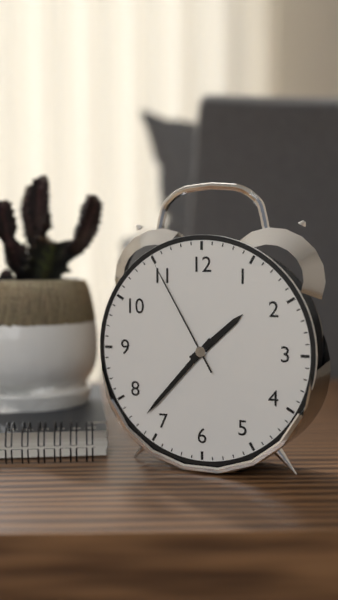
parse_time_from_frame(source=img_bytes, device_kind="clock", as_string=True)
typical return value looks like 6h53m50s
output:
1h37m55s
